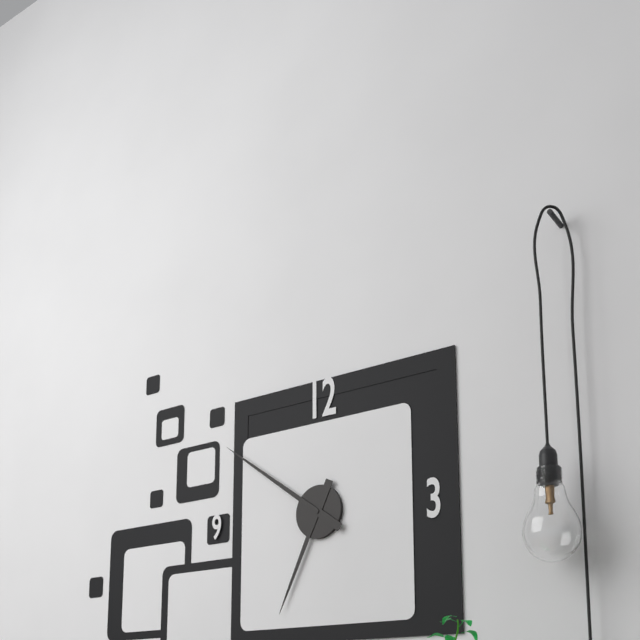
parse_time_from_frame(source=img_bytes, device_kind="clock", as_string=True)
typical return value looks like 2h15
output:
6h51
